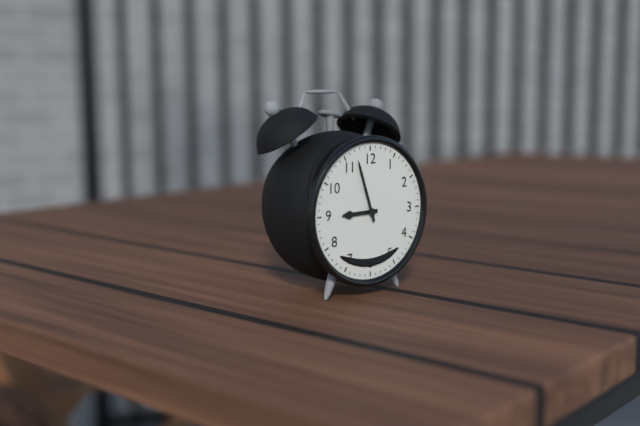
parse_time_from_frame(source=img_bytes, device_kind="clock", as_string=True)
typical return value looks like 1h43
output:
8h57
